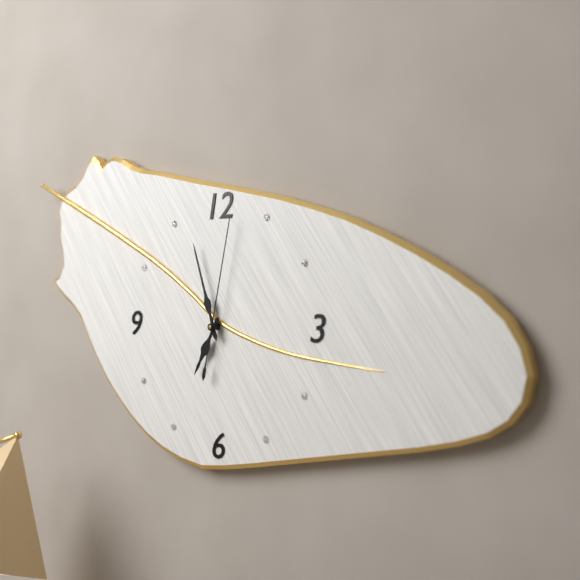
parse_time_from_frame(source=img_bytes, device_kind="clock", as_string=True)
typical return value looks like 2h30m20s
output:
6h57m02s
